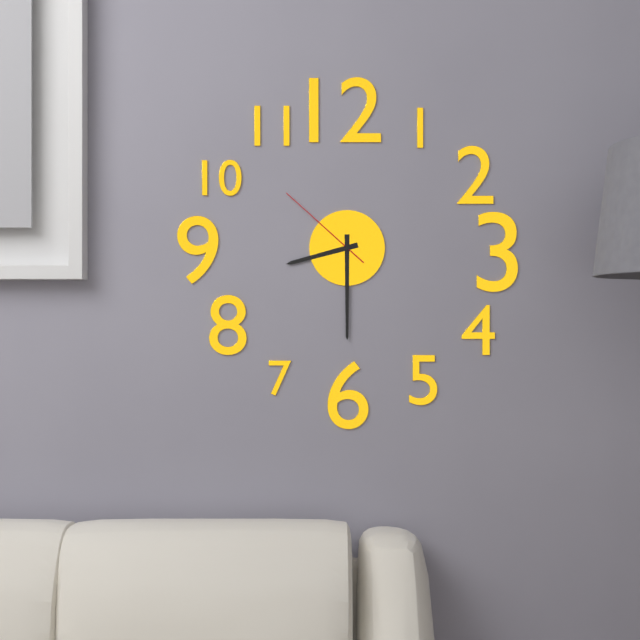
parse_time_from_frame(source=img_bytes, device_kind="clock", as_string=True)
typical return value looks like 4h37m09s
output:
8h30m52s
